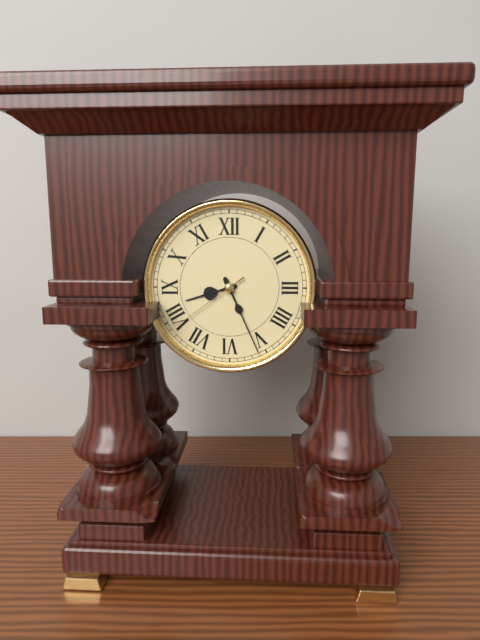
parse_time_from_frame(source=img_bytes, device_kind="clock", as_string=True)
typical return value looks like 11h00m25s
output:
8h26m39s
